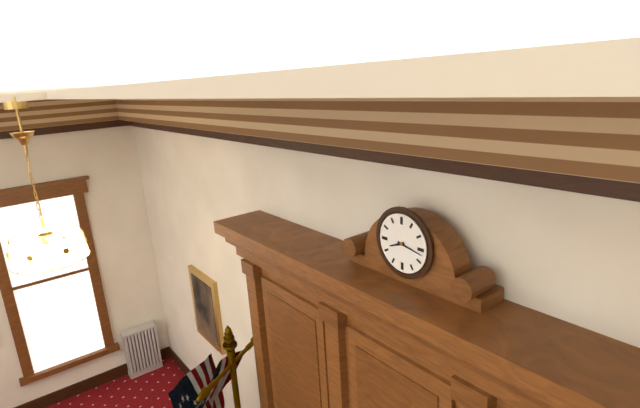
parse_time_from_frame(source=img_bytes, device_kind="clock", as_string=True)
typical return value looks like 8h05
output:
8h17
